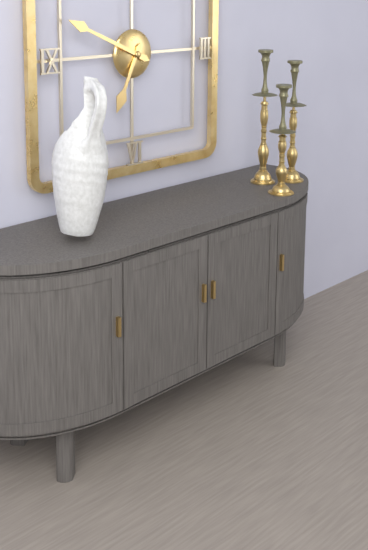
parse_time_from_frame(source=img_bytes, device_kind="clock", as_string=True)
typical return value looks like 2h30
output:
6h49
